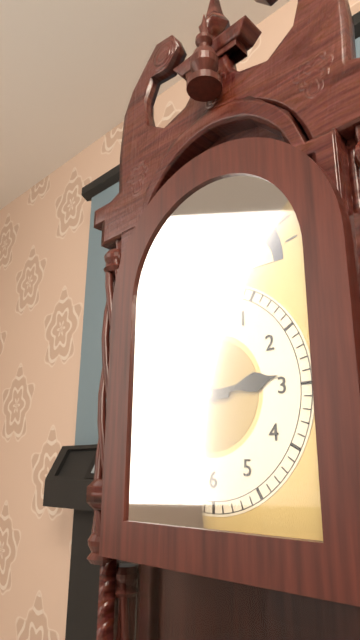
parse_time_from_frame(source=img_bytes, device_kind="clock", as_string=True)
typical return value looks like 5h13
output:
2h46
